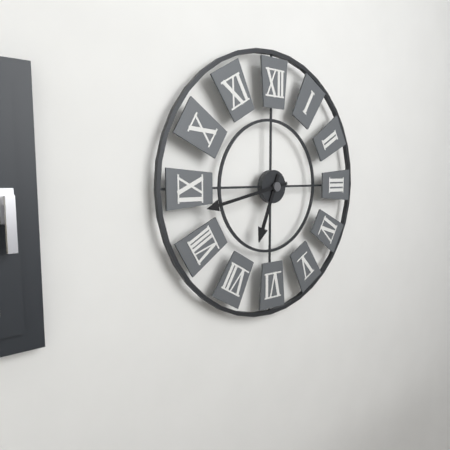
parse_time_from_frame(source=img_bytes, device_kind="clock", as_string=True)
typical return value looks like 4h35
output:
6h43
